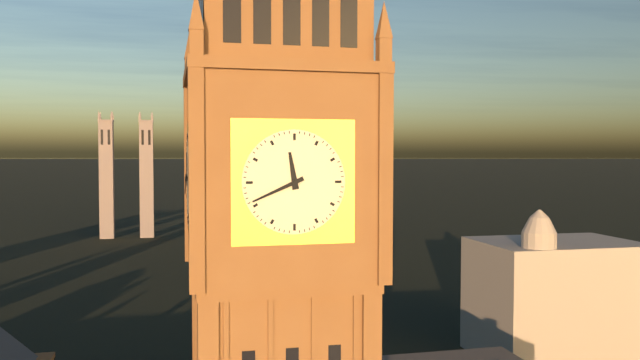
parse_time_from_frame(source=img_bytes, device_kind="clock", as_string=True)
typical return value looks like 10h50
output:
11h41
